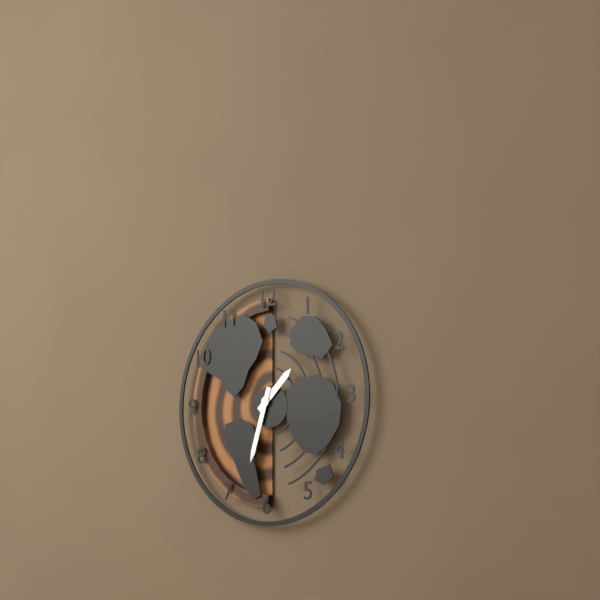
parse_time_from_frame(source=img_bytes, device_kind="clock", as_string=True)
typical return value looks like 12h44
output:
1h33
